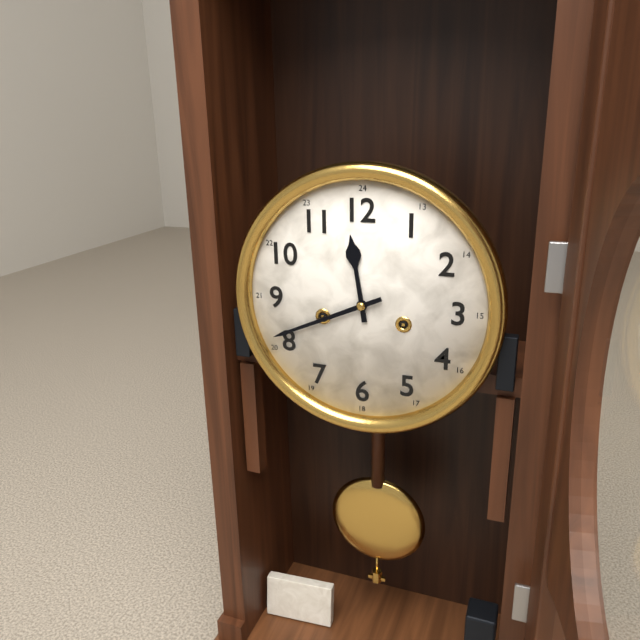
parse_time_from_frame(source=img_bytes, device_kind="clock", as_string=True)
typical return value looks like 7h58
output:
11h41
